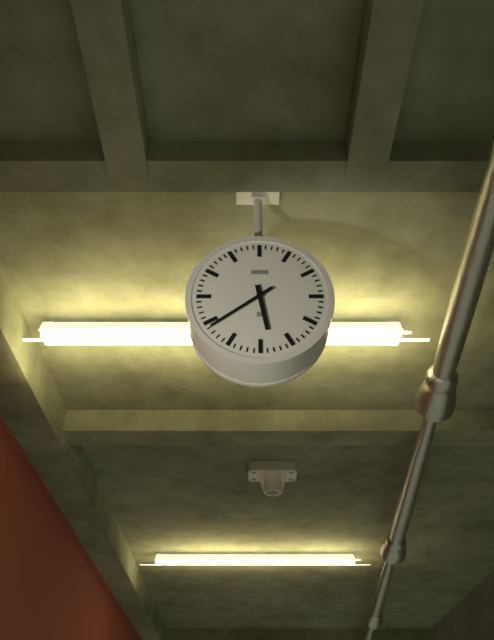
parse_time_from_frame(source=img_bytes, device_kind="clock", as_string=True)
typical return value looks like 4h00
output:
5h39
